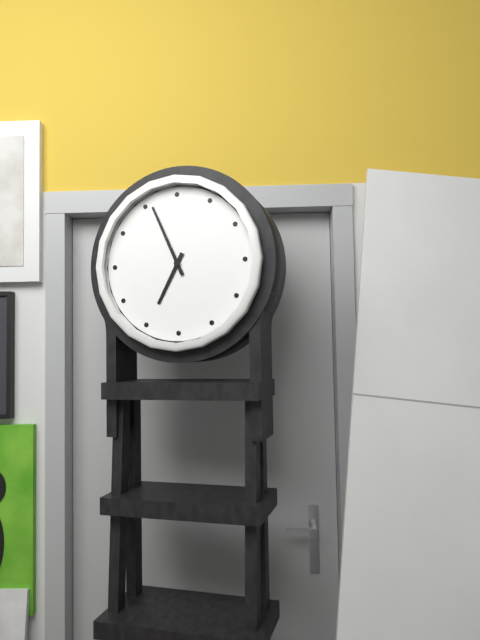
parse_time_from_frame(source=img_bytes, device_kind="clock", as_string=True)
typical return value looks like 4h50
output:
6h56
